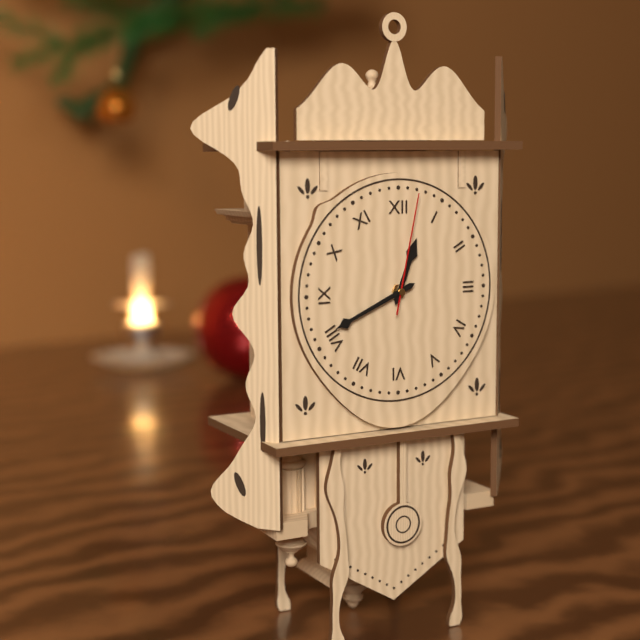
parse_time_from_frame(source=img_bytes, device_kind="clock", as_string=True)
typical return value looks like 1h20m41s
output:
12h41m02s
